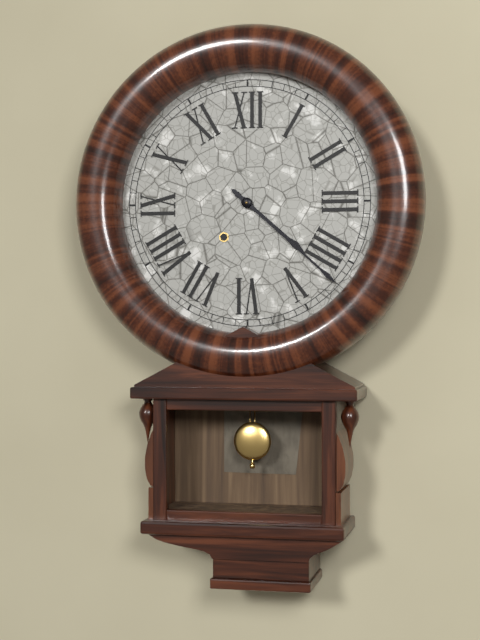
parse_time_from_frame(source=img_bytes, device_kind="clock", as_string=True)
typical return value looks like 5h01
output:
4h22
